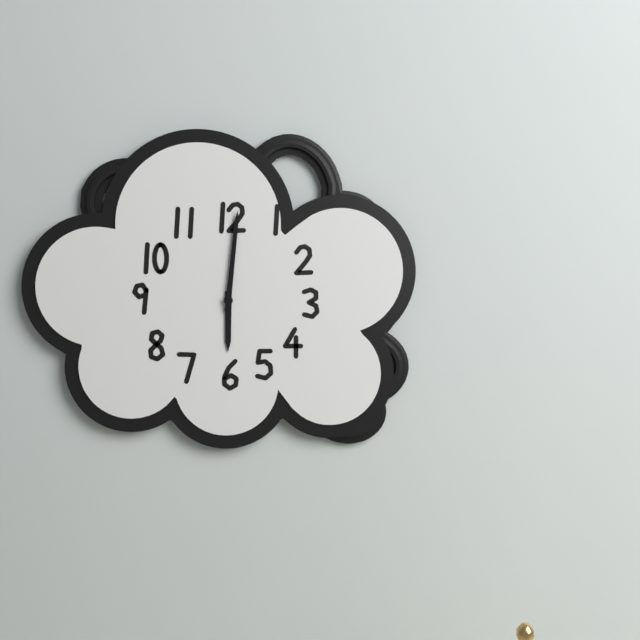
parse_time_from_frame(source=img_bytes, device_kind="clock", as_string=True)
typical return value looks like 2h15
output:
6h01
